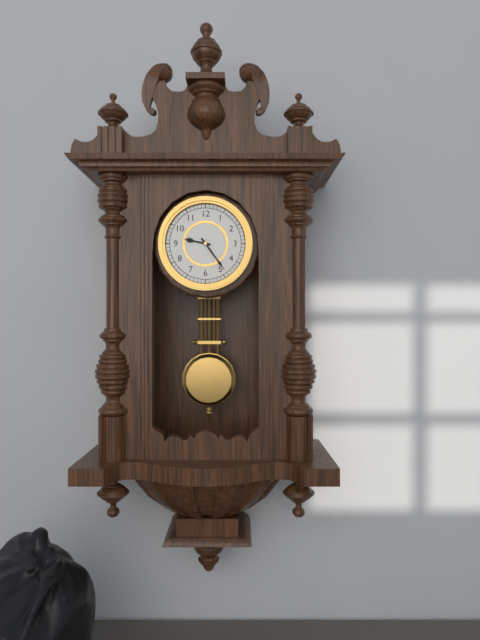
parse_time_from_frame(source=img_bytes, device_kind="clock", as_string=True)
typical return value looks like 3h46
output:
9h24
